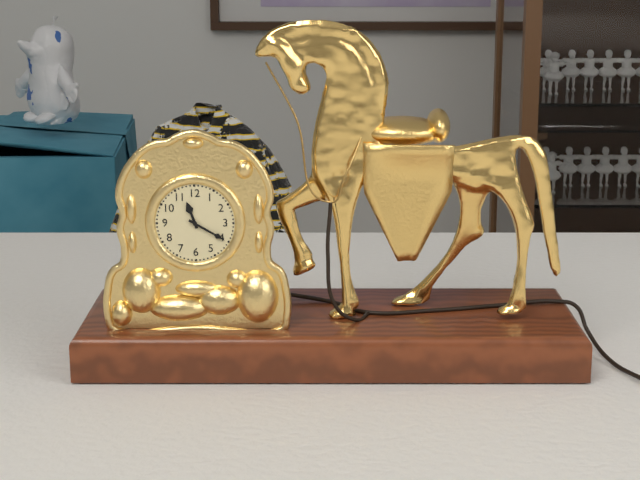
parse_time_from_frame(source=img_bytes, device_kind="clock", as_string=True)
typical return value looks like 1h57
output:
11h20
